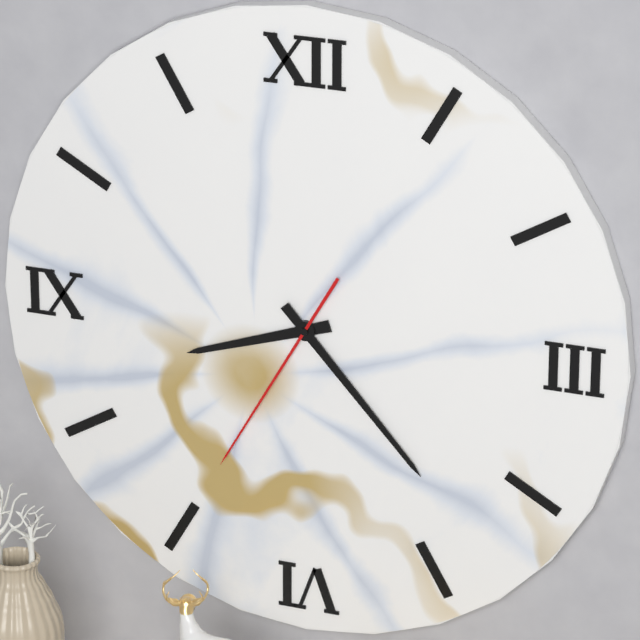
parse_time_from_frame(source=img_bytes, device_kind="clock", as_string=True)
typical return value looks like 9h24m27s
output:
8h23m35s
